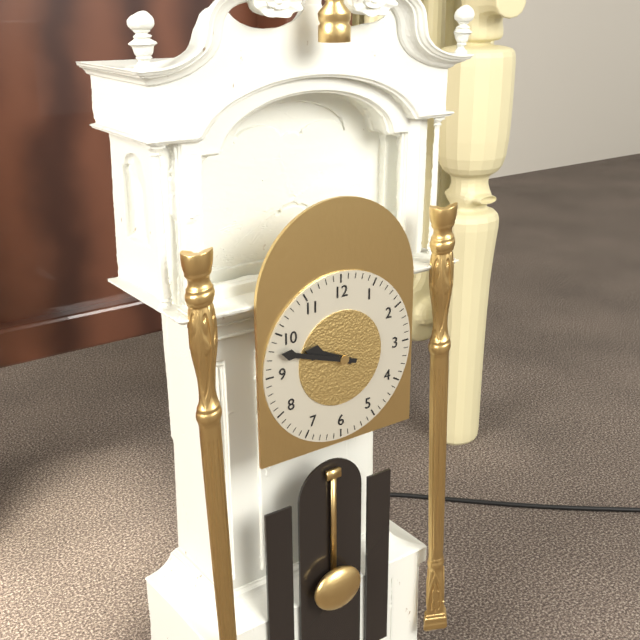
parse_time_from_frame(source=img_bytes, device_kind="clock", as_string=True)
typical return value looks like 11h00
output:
9h48
